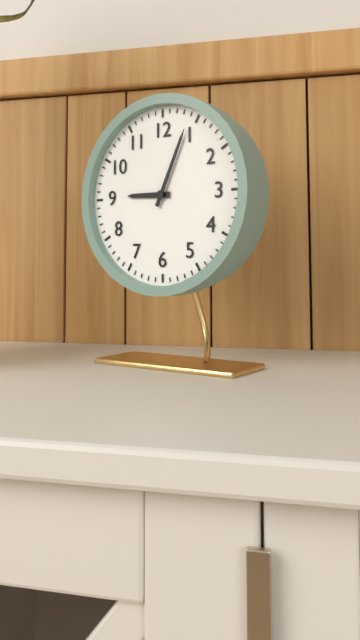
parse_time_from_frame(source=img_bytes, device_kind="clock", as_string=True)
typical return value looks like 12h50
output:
9h04
